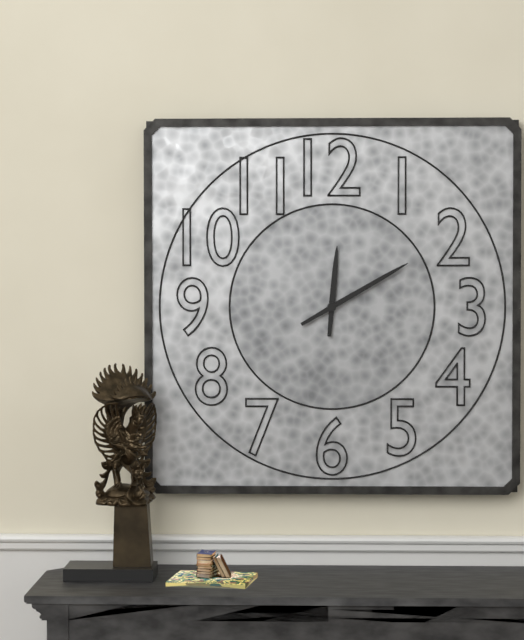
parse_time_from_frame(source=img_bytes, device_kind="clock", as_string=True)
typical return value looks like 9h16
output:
12h10
